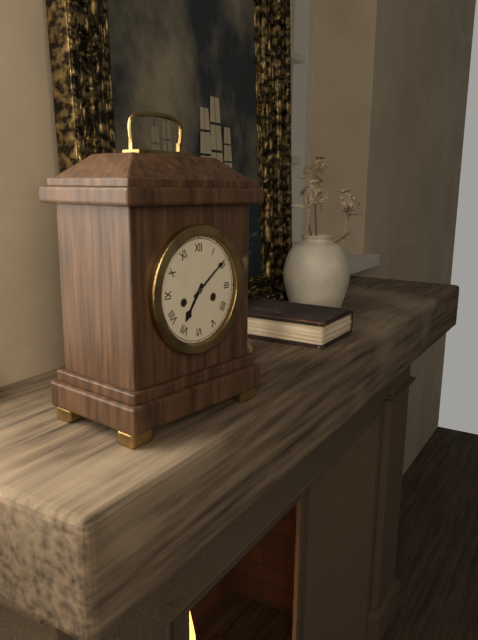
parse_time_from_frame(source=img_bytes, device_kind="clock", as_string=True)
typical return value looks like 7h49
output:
7h09
